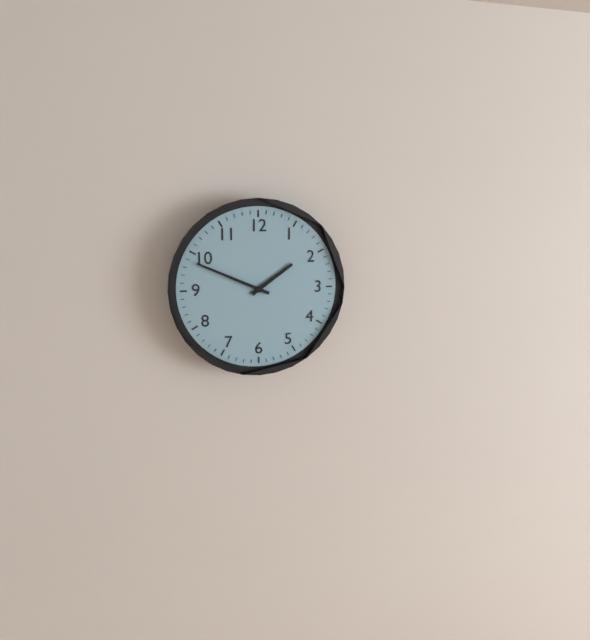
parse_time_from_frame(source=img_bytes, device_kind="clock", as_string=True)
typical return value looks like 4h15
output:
1h49
